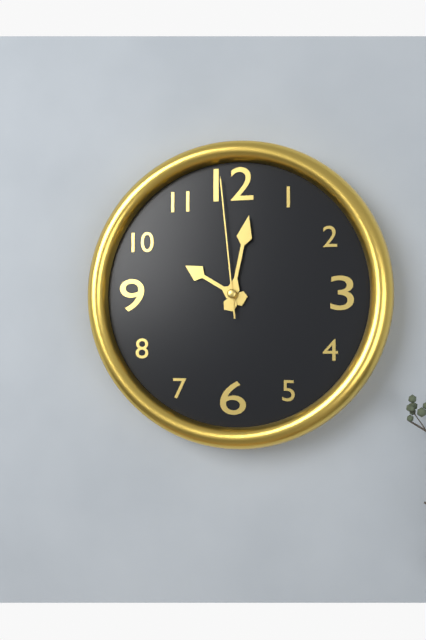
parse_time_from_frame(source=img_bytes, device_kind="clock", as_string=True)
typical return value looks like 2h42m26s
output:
10h02m59s
